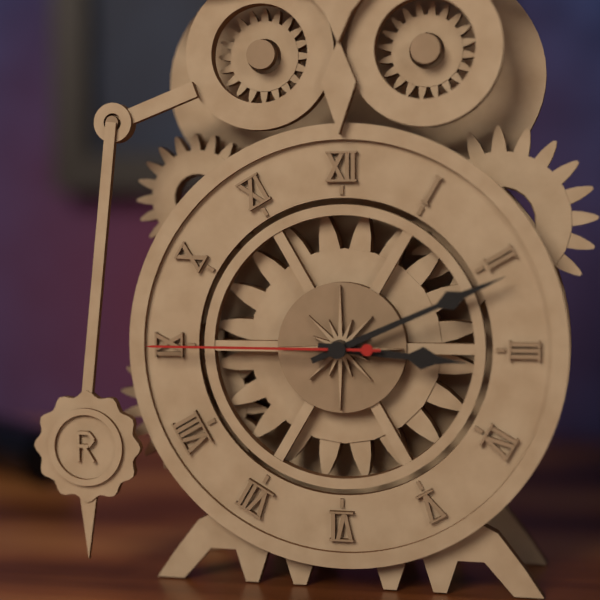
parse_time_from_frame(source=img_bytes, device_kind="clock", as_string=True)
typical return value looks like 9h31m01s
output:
3h11m45s
